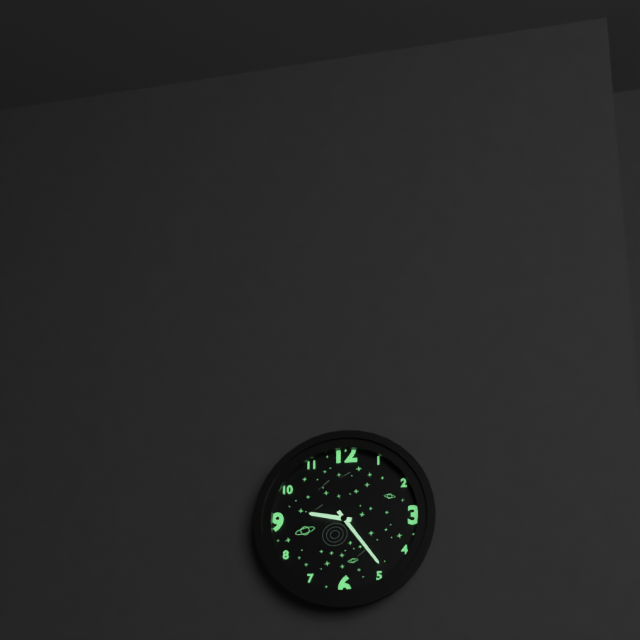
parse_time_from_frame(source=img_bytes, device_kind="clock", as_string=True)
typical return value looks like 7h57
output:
9h24
